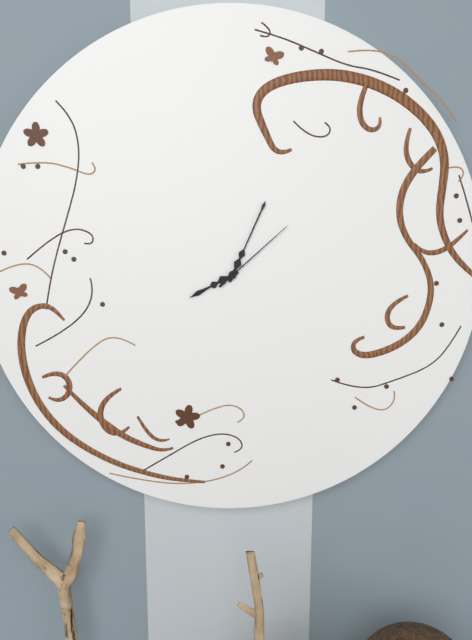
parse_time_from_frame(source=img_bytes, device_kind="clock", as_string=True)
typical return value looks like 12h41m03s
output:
8h04m08s
